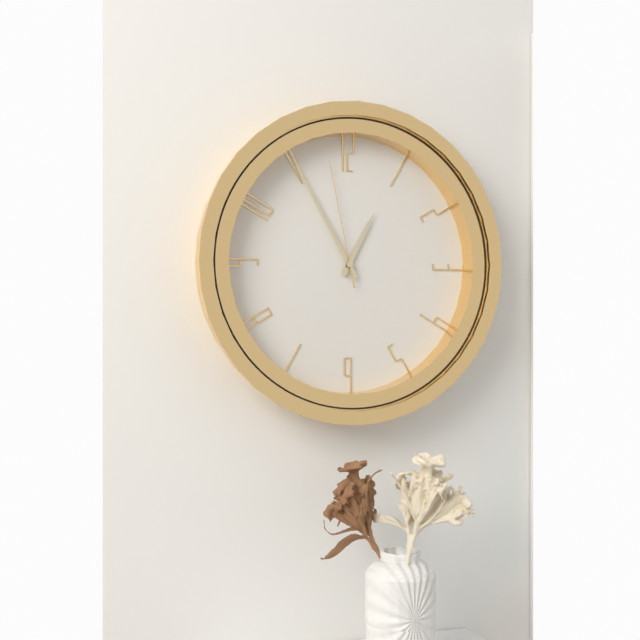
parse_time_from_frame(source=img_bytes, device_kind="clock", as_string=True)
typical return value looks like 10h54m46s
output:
12h55m58s
